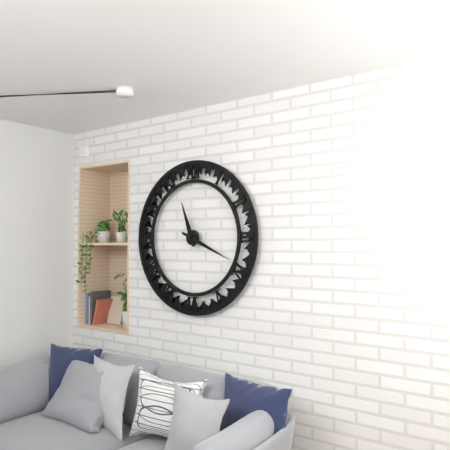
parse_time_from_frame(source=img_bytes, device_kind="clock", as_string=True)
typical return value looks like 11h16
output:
11h19
